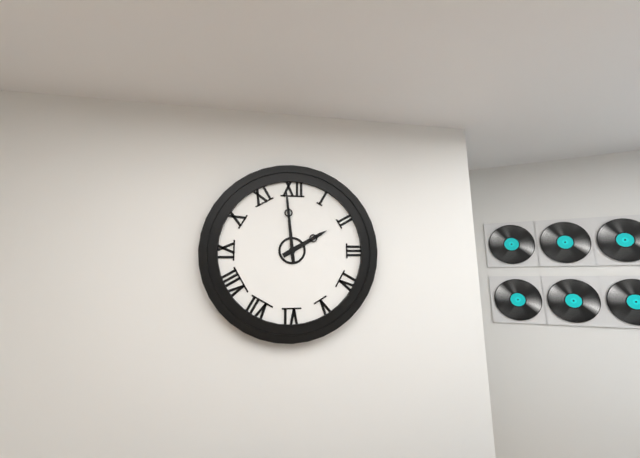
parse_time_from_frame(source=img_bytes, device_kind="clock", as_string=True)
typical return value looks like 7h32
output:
1h59
